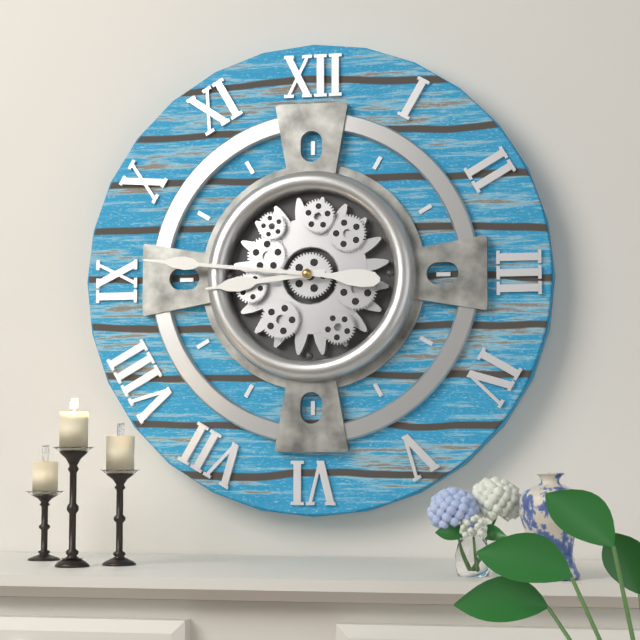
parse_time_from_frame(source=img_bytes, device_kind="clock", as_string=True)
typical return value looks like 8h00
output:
8h46
